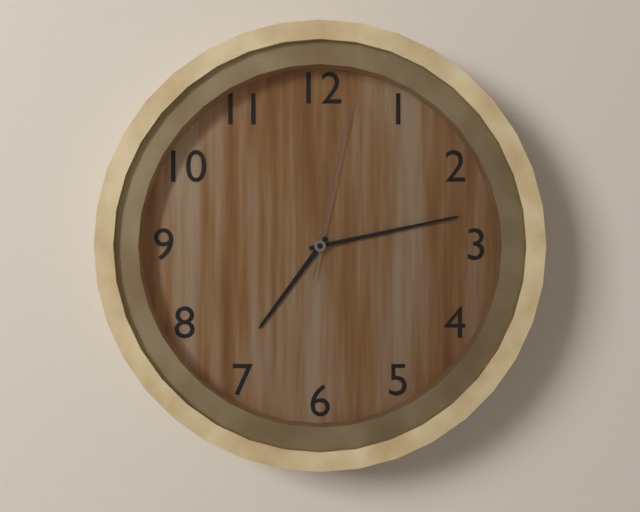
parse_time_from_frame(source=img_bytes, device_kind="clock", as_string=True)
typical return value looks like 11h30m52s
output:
7h13m02s
